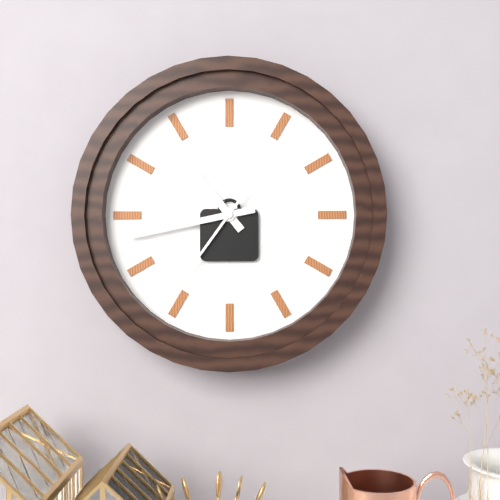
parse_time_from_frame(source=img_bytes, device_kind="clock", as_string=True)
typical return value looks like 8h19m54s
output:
10h43m36s
